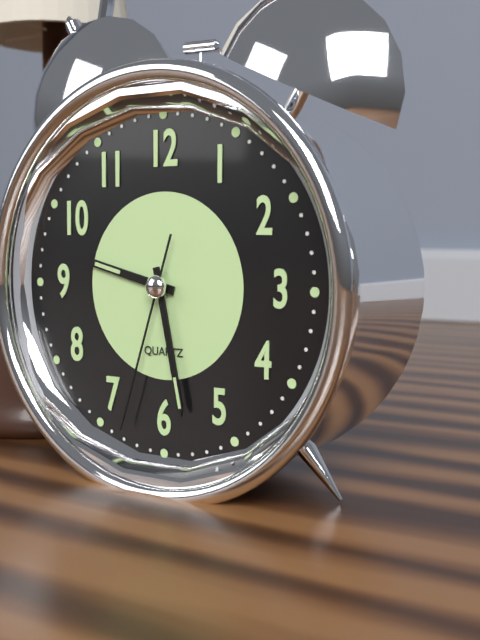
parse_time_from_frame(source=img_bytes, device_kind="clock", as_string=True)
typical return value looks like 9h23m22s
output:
9h28m33s
